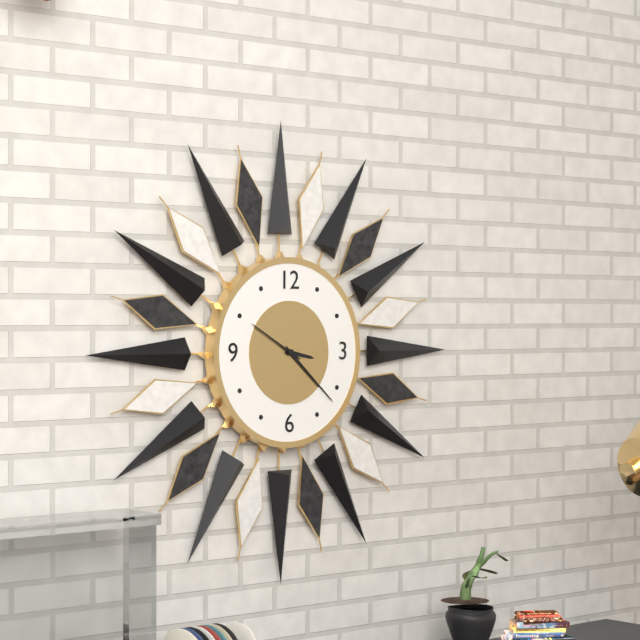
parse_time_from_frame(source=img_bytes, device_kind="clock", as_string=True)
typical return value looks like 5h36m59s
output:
3h22m50s
